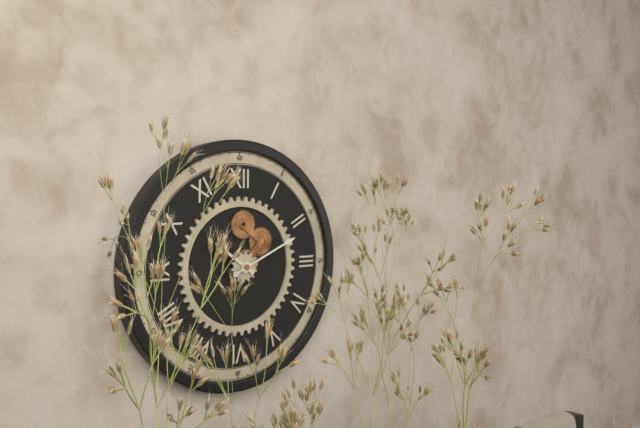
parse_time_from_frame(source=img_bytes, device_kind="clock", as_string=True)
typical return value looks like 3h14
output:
10h11
